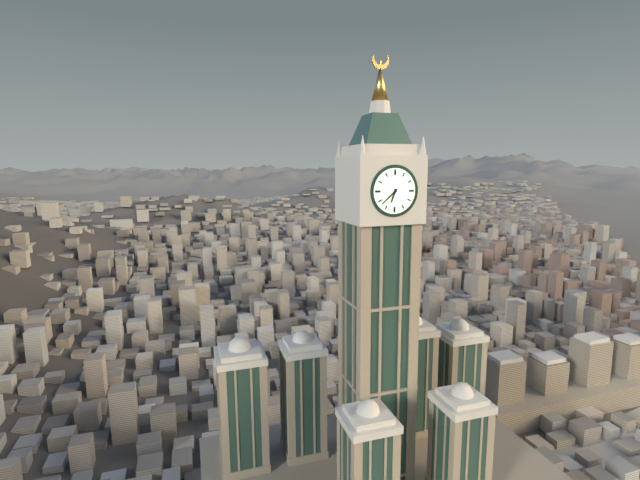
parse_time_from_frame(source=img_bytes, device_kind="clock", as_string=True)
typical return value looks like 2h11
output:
6h38
